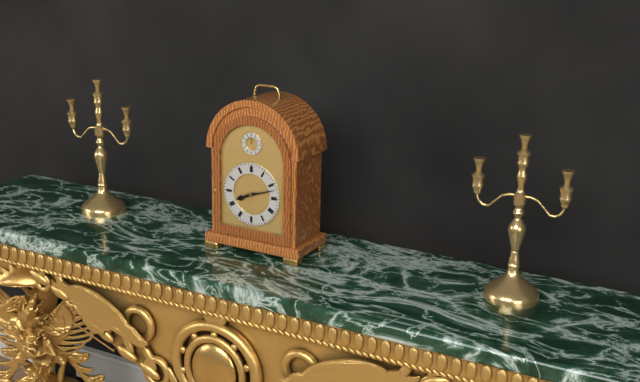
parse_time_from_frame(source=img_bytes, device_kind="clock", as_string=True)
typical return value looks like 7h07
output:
8h12
